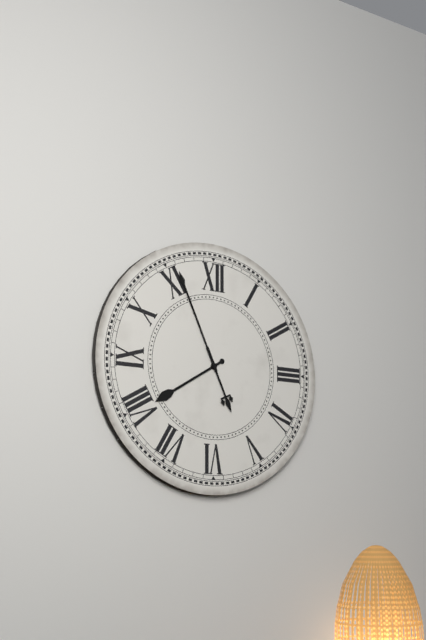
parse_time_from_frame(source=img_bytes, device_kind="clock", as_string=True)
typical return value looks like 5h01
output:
7h56
